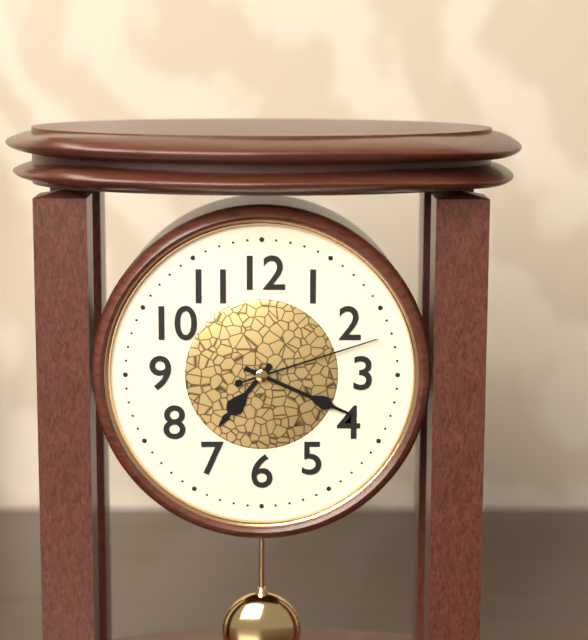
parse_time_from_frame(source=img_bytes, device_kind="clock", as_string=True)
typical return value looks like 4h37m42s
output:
7h19m12s
